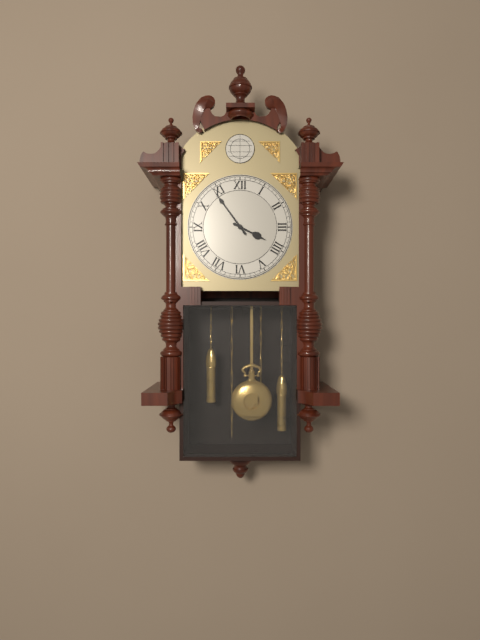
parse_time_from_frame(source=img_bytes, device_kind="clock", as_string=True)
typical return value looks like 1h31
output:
3h54
